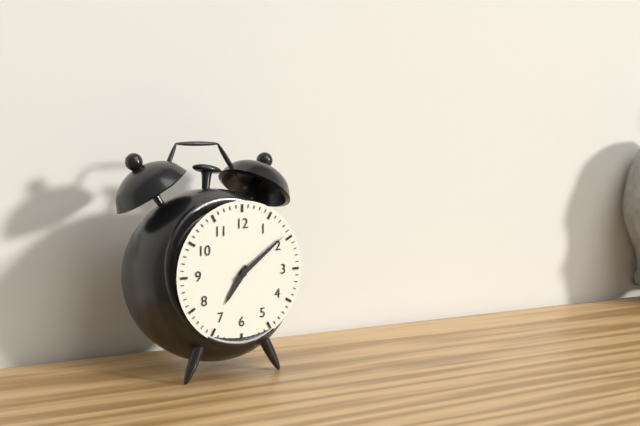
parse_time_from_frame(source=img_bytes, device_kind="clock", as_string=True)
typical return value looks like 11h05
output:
7h09
